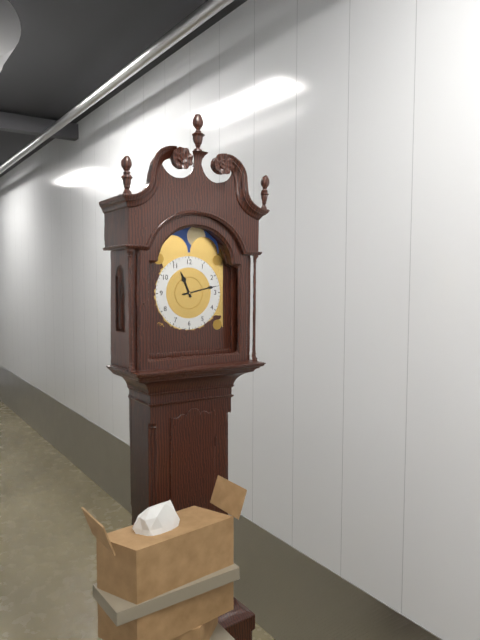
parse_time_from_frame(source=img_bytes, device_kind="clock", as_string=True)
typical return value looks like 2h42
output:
11h13
